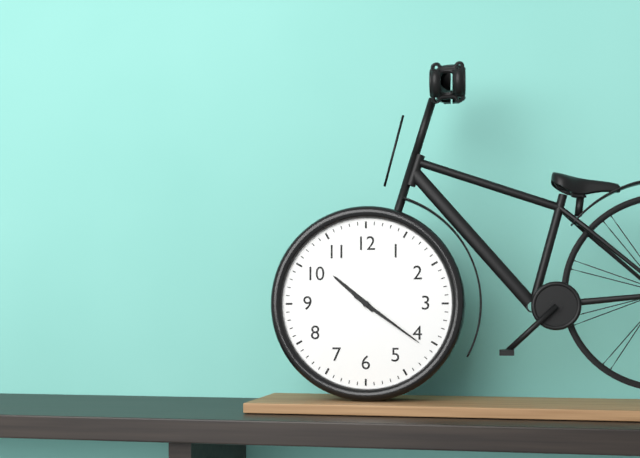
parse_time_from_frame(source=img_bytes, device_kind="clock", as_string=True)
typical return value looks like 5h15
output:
10h21
